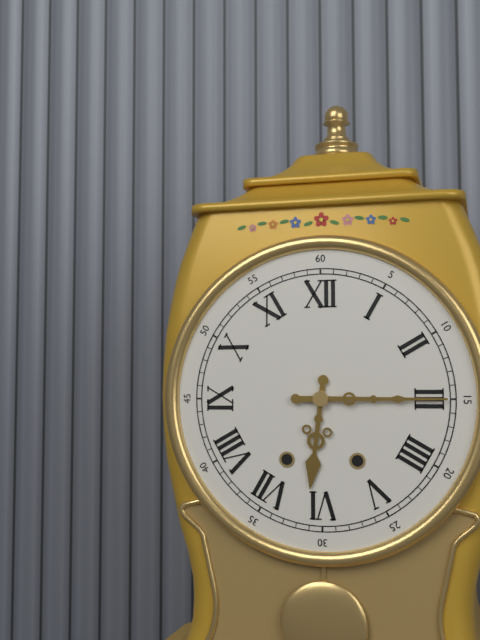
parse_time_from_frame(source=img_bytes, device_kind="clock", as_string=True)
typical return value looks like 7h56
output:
6h15
